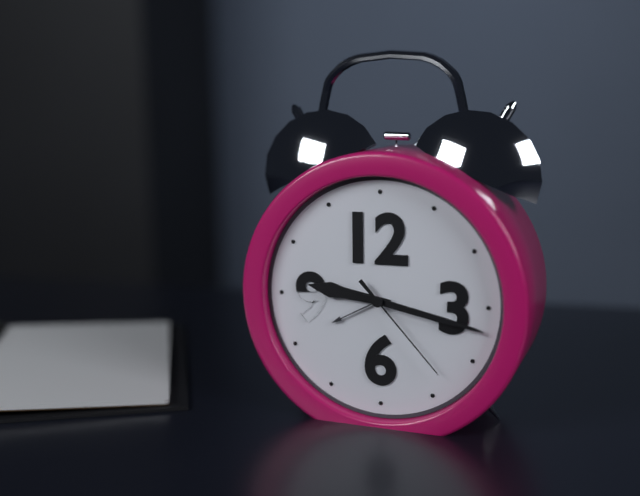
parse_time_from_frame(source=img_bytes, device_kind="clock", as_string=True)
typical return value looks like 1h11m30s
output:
9h17m23s
